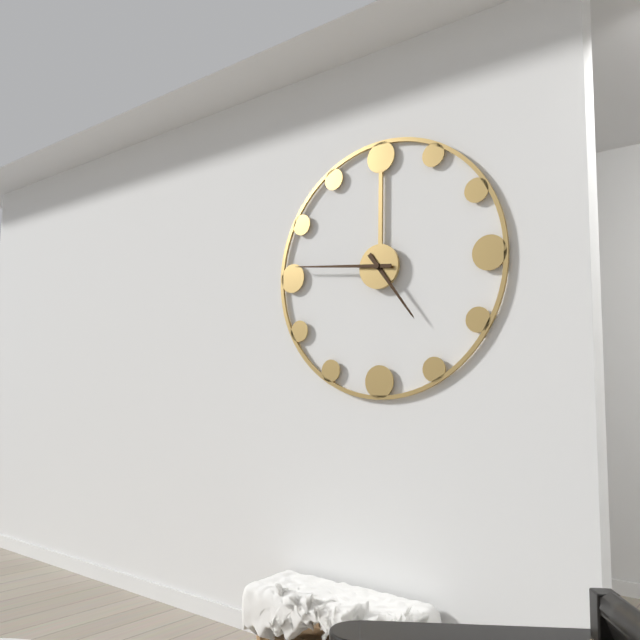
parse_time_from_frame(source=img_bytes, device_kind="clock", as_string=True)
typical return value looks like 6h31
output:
4h46
